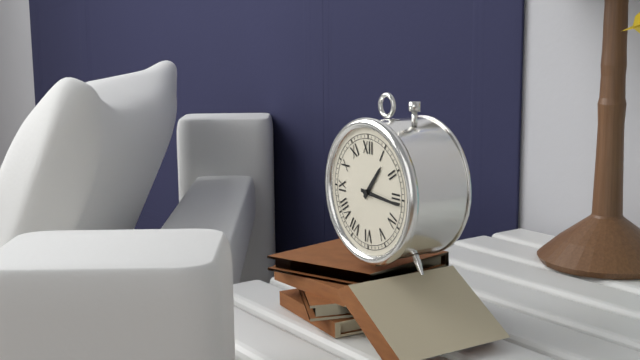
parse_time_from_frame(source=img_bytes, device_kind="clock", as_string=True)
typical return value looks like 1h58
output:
1h16
